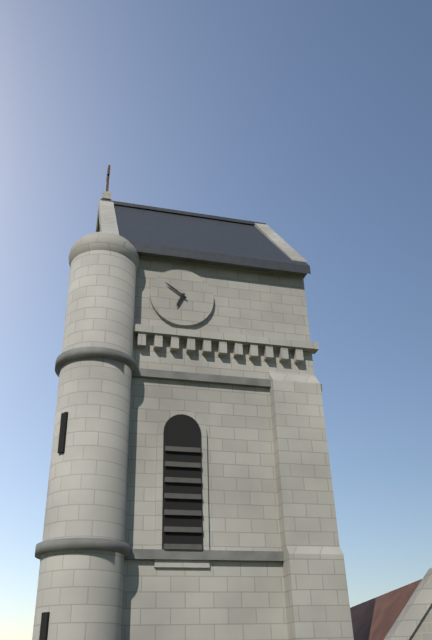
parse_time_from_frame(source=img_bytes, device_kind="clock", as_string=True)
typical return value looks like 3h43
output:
6h51
